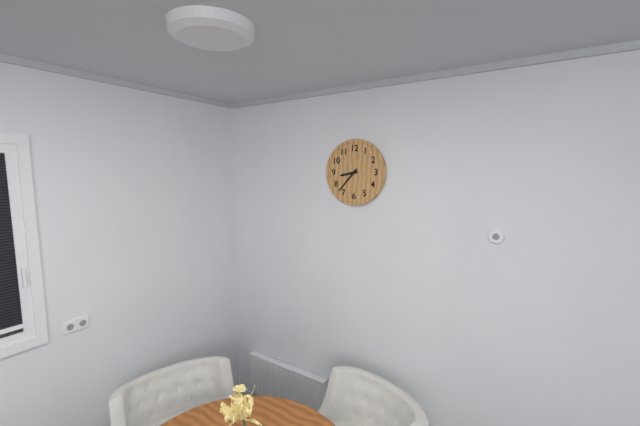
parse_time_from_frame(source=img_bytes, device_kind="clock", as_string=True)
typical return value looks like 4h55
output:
8h37
